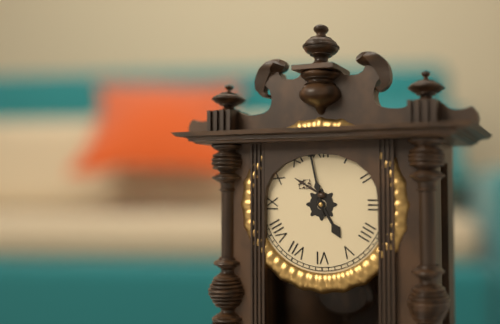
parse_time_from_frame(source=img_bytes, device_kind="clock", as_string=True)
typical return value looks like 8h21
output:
4h58
